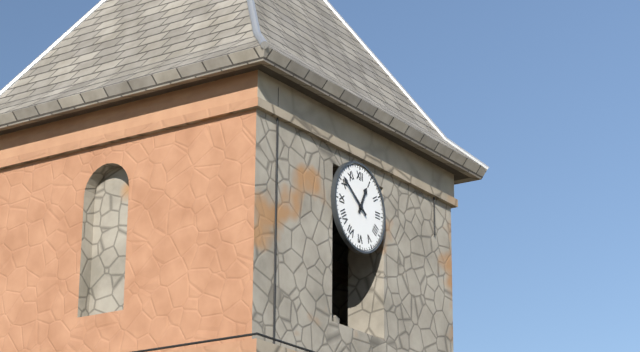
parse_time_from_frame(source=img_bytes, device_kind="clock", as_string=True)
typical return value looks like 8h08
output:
12h51
